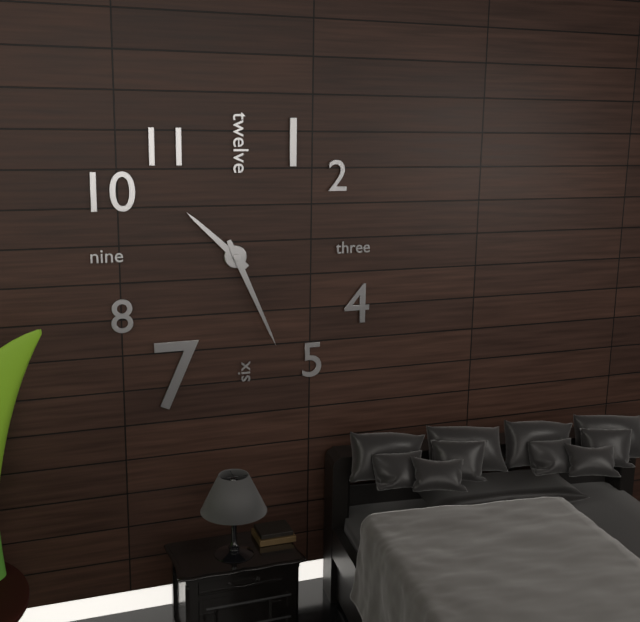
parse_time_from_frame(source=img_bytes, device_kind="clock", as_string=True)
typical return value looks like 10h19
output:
10h26
